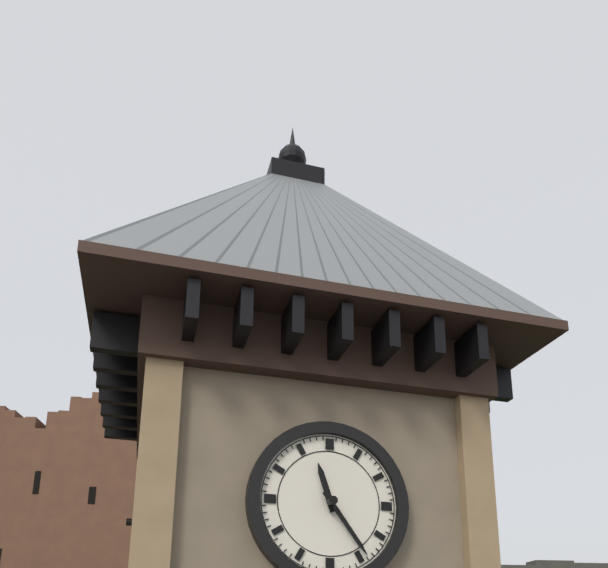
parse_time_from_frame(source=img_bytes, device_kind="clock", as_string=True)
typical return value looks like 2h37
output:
11h24
